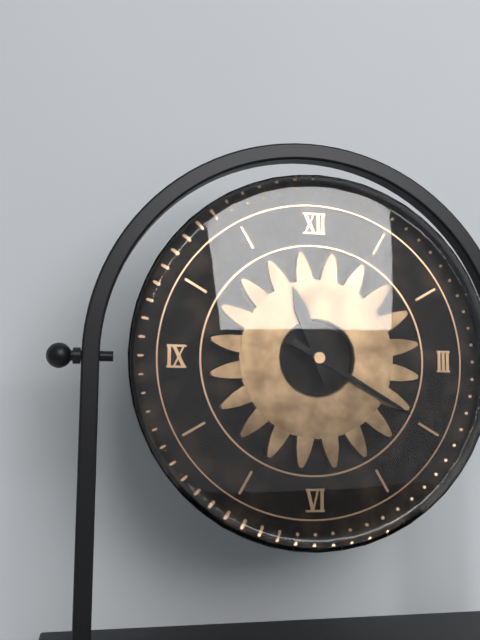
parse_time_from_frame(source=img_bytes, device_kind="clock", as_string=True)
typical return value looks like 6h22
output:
11h20
